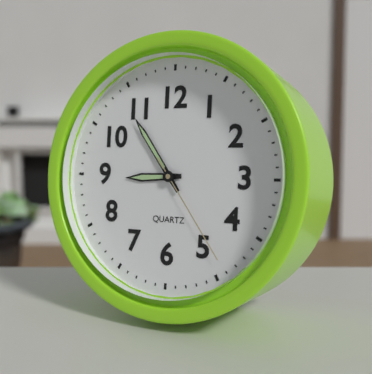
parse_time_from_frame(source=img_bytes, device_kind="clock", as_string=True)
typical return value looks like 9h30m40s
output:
8h54m24s
